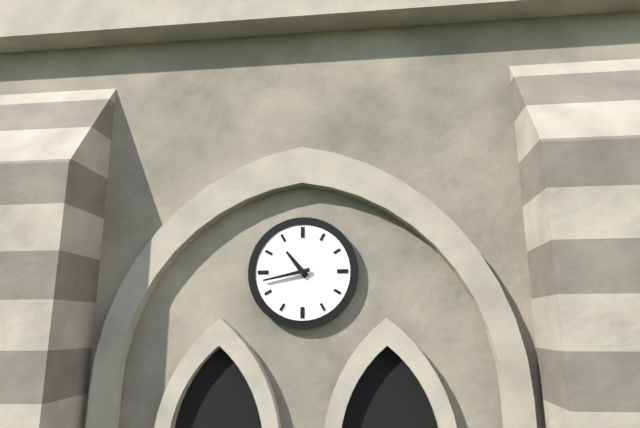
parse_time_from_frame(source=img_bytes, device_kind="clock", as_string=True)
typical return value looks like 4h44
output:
10h43
